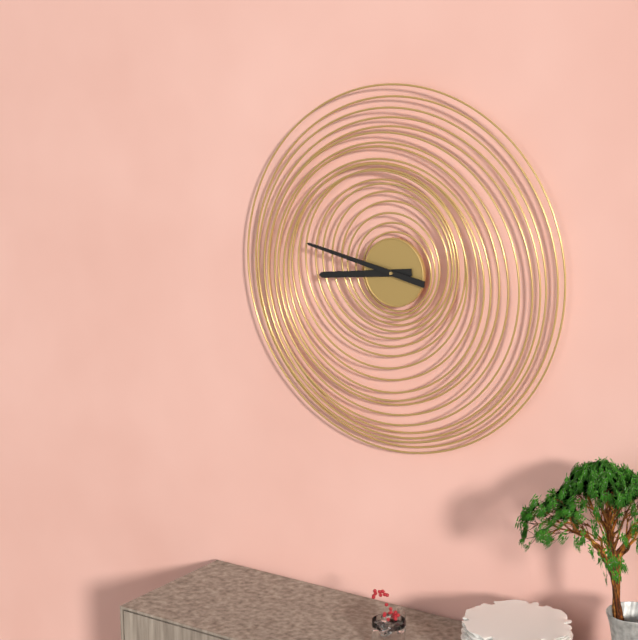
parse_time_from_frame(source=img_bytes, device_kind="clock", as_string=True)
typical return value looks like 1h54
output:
8h47
